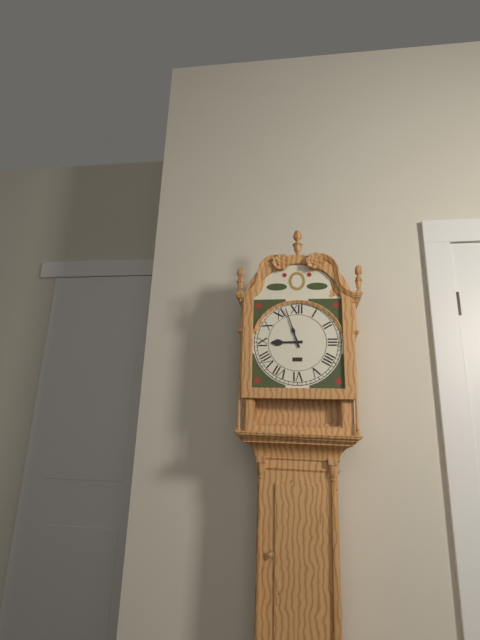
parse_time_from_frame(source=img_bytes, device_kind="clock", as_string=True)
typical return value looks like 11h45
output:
8h57
